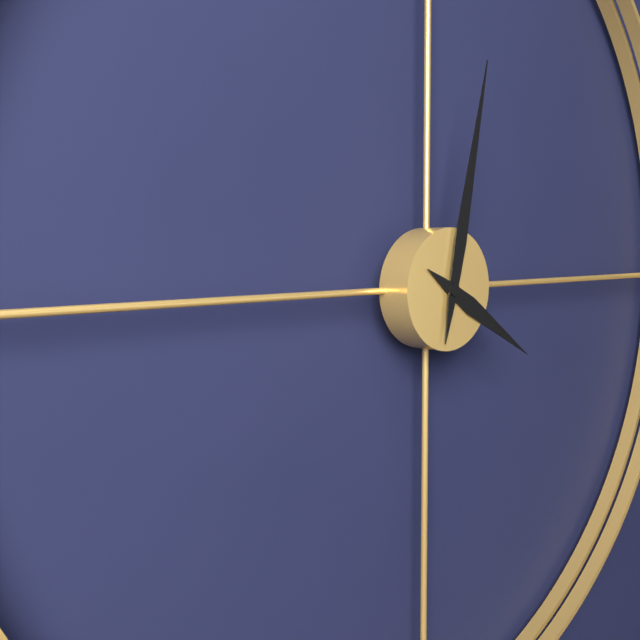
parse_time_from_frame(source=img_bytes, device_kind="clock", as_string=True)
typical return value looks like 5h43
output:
4h02
